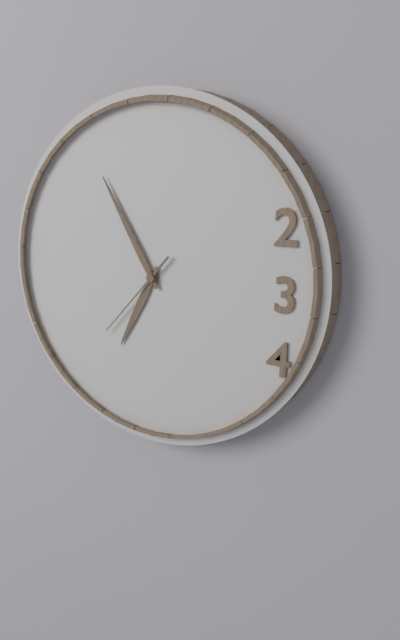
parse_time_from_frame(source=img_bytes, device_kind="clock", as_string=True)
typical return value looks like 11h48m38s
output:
6h55m37s
